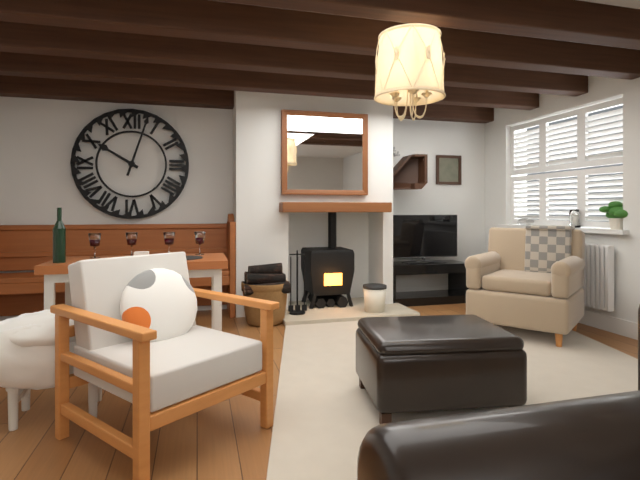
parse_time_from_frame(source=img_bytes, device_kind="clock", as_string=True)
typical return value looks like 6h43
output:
10h03
